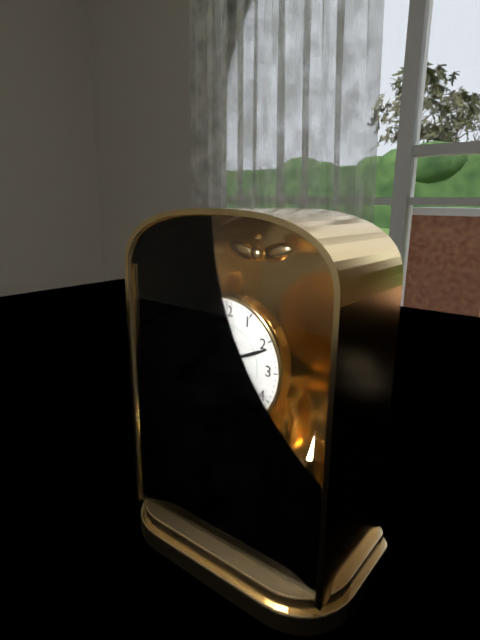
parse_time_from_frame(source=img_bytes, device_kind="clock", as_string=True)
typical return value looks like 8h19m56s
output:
5h11m50s
